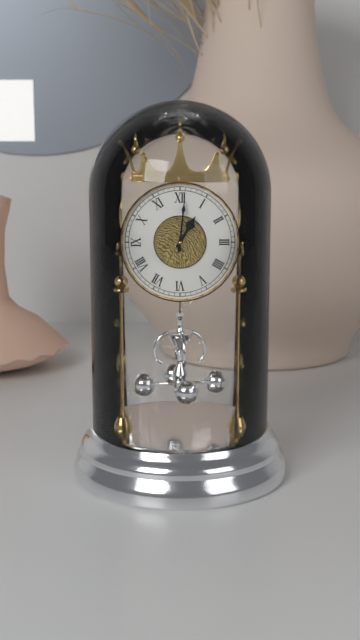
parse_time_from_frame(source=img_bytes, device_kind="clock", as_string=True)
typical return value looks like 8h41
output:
1h01
